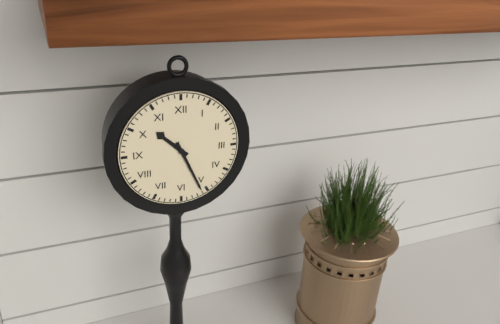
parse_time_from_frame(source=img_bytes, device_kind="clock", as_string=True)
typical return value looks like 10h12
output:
10h26
